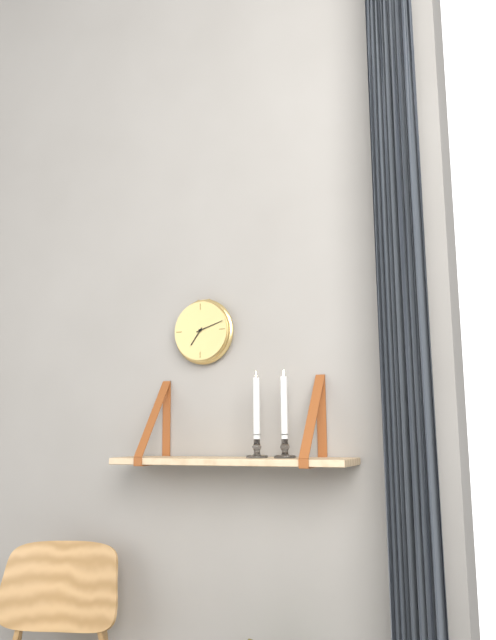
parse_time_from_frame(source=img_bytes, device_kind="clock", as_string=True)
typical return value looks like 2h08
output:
7h12
